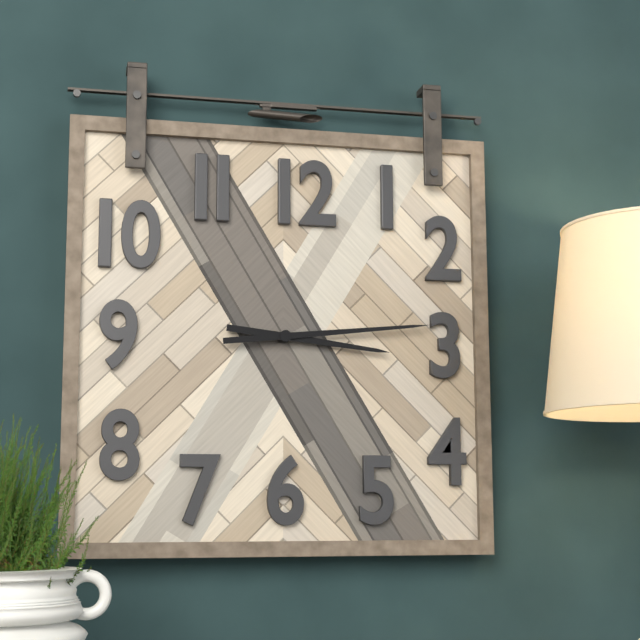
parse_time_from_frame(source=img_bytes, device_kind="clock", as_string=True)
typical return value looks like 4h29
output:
3h14
